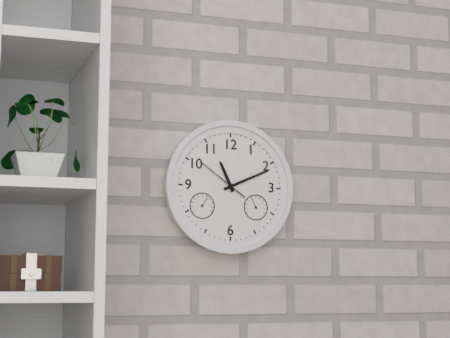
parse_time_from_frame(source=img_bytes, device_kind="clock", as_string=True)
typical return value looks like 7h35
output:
11h11
